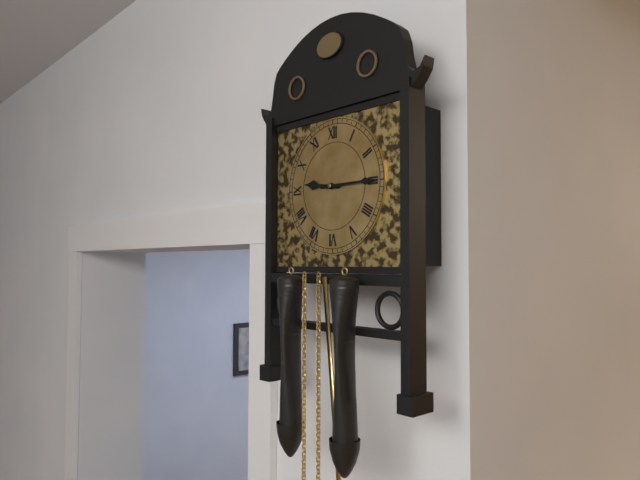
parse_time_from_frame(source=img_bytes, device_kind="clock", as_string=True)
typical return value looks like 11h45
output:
9h15
